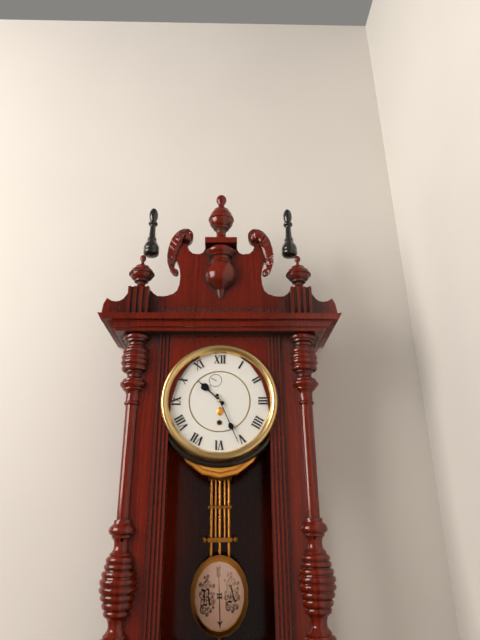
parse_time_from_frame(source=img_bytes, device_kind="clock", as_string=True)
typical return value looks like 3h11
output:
10h26
